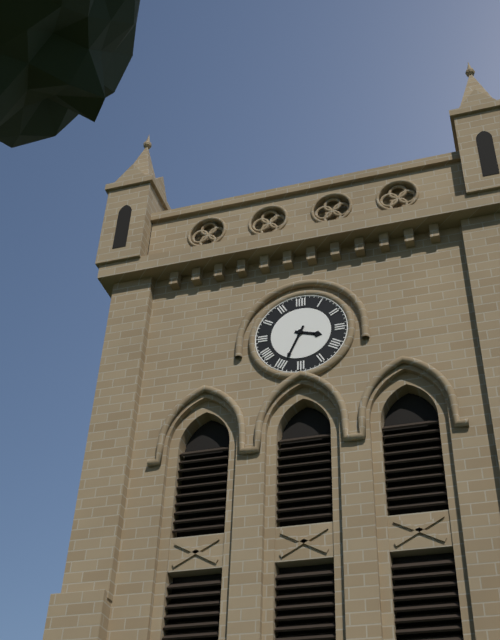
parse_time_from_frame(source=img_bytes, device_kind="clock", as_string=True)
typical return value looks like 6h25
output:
3h34
